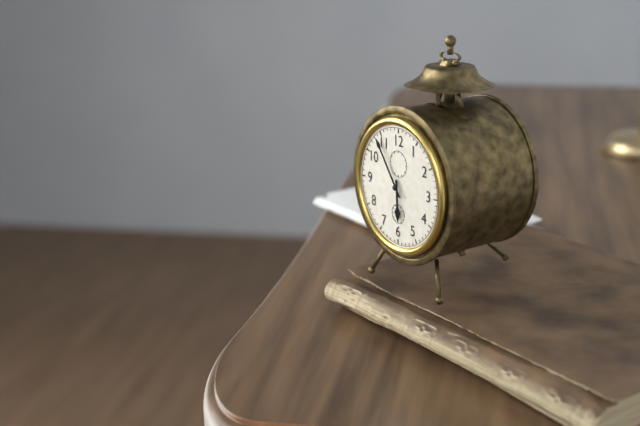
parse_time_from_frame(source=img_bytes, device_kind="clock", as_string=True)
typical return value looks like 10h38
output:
5h54
